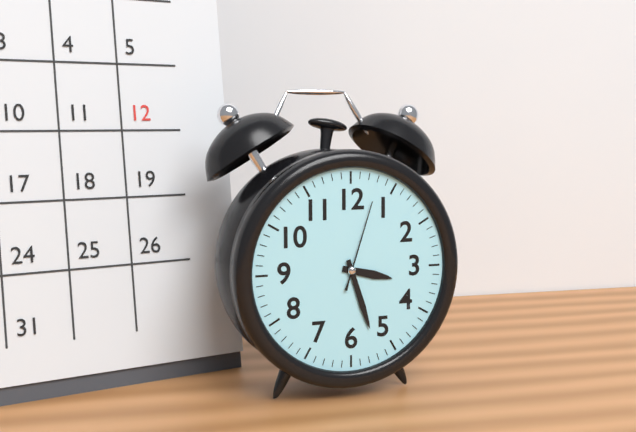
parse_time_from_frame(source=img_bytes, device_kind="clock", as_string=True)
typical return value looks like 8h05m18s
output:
3h27m03s
